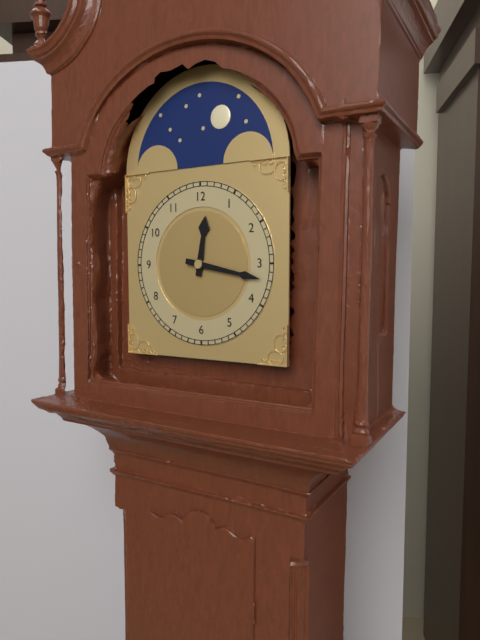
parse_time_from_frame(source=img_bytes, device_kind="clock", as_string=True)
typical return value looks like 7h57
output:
12h17
